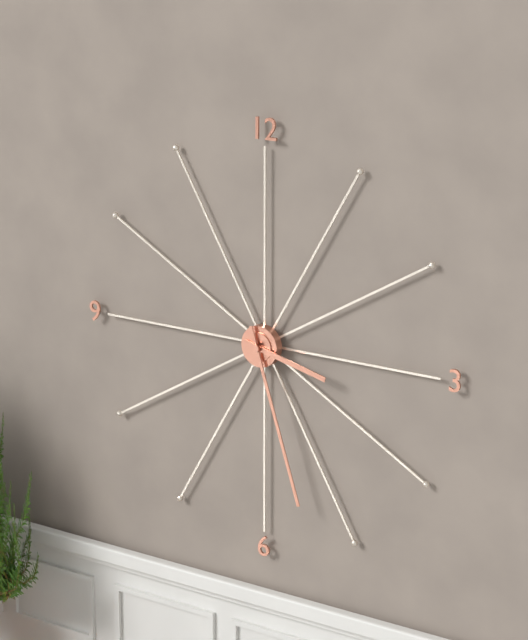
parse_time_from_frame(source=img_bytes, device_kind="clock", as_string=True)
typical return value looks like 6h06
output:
3h27
